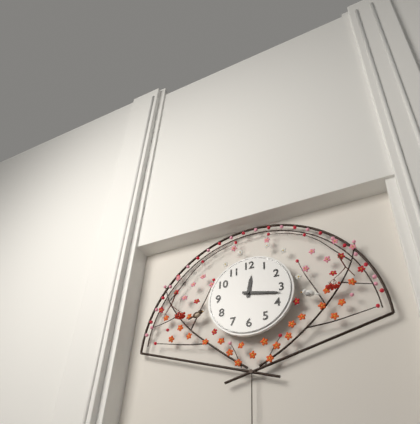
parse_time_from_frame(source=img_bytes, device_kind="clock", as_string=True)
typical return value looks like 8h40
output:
12h17
